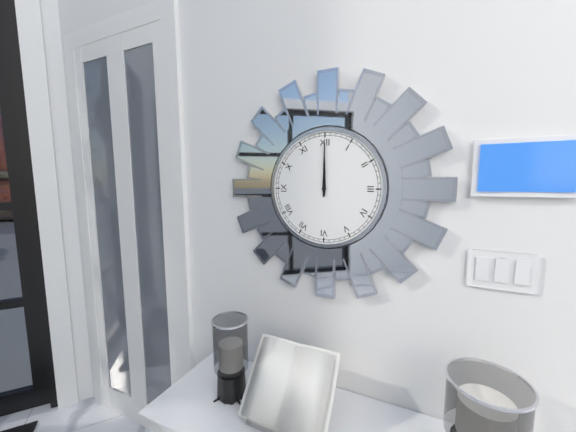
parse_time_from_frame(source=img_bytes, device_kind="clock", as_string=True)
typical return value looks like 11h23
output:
12h00
